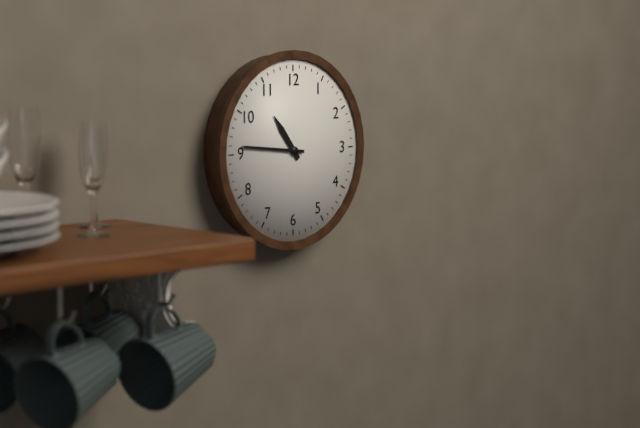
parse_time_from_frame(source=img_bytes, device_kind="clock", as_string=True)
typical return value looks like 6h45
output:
10h46
